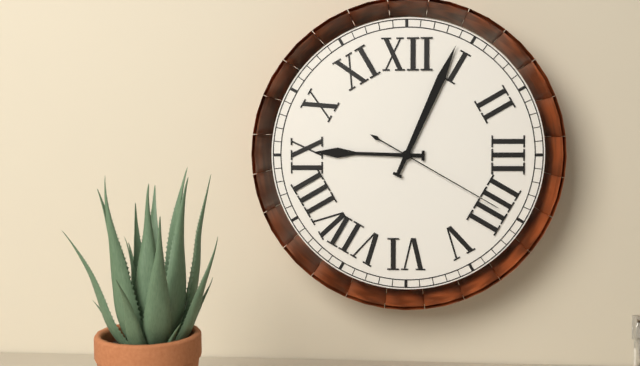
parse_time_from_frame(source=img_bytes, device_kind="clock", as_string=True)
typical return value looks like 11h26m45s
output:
9h04m20s
